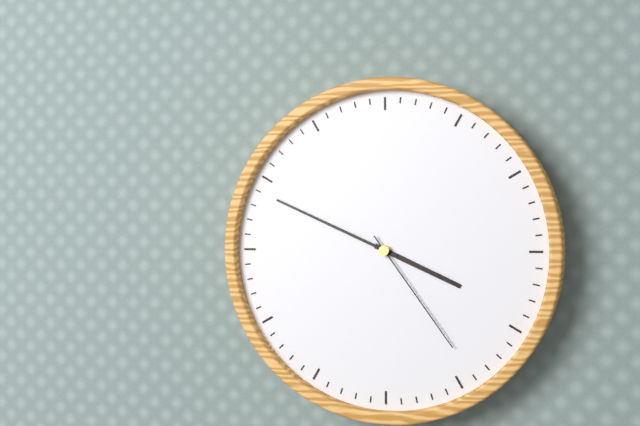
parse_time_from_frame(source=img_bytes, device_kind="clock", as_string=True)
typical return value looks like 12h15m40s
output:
3h49m24s
